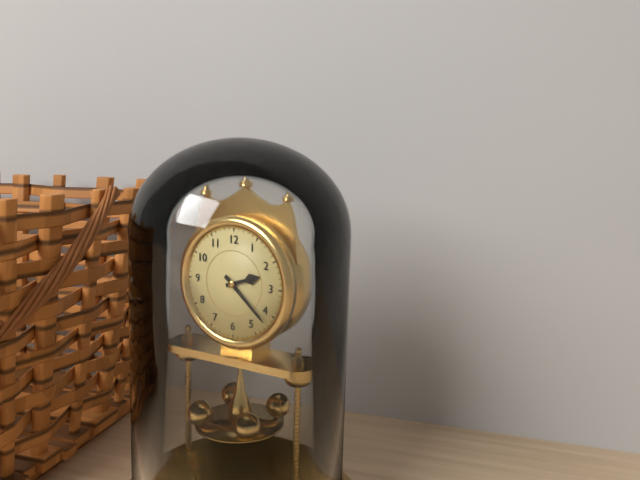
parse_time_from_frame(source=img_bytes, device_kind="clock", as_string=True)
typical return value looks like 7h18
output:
2h22
